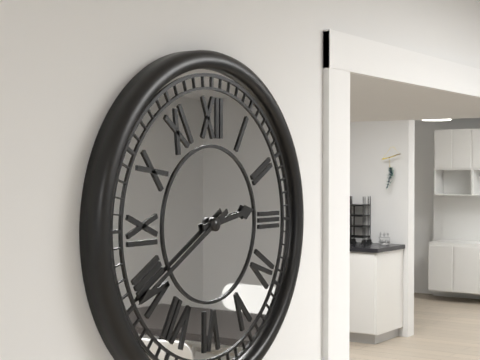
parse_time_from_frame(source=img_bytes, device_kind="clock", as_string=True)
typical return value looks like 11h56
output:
2h40
